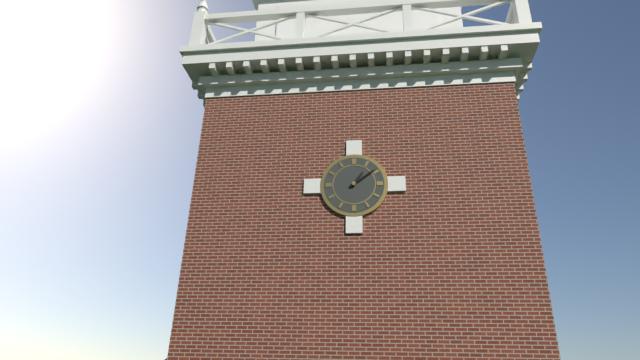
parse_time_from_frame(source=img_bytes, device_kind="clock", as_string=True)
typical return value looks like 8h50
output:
1h09
